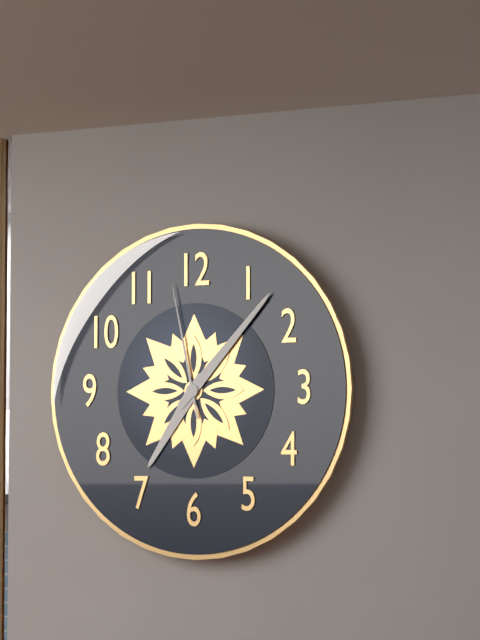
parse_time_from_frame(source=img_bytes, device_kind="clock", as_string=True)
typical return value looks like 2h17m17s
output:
7h07m58s
